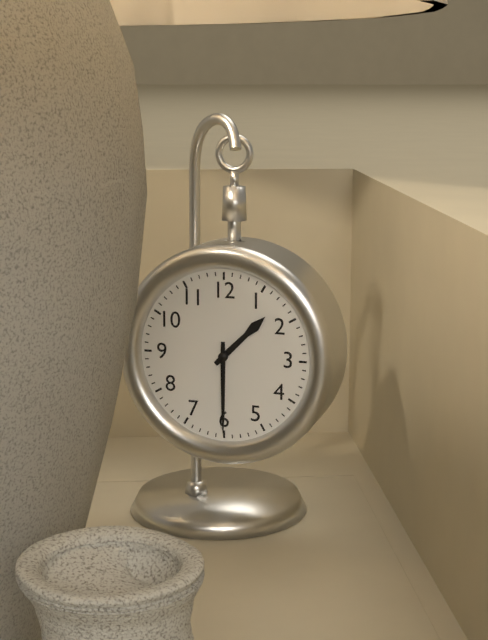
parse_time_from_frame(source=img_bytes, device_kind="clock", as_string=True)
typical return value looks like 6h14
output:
1h30
